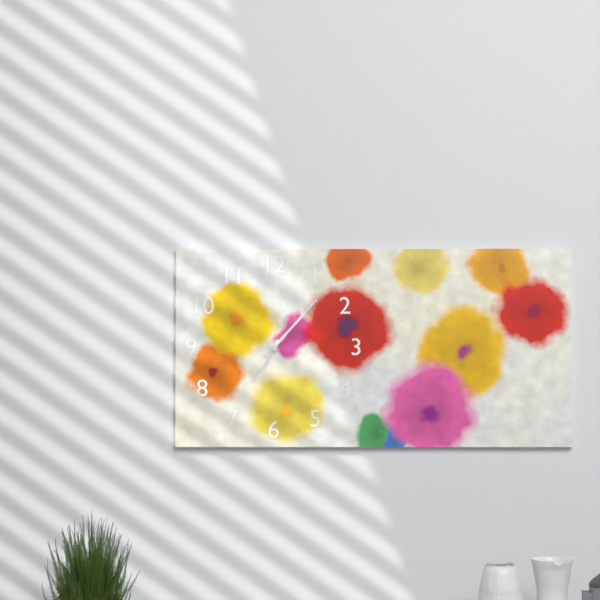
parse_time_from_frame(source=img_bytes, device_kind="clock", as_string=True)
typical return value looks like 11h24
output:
7h07
